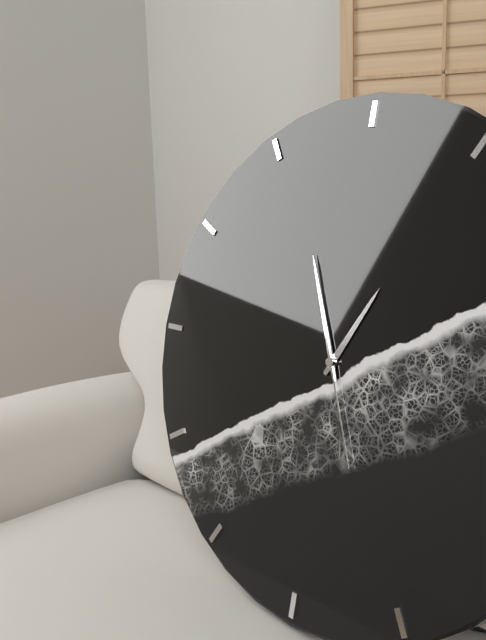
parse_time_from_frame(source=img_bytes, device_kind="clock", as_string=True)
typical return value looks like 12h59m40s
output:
12h56m26s
